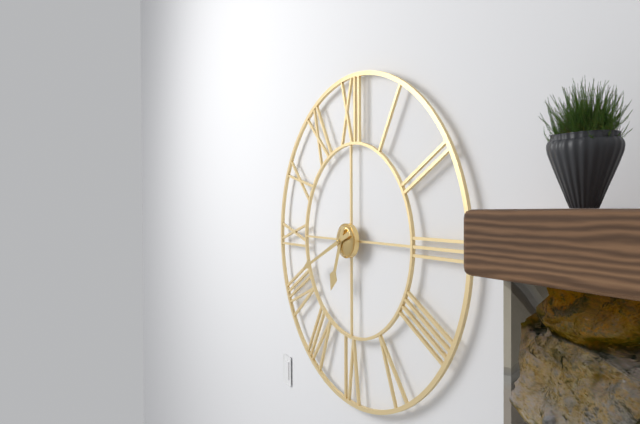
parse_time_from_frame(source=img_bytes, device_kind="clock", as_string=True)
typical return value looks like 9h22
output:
6h41
